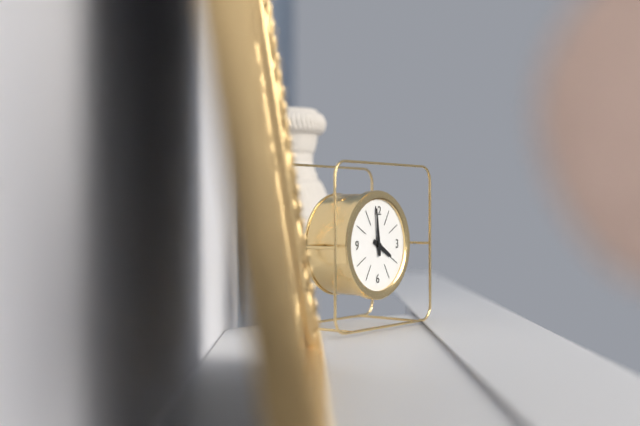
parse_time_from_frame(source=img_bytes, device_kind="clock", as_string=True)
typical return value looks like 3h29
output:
3h59
